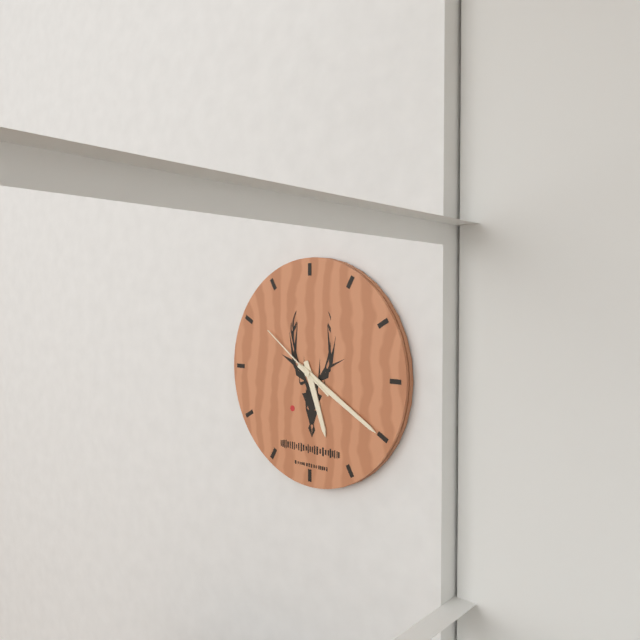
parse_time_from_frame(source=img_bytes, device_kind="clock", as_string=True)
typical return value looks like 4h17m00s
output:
5h20m51s
